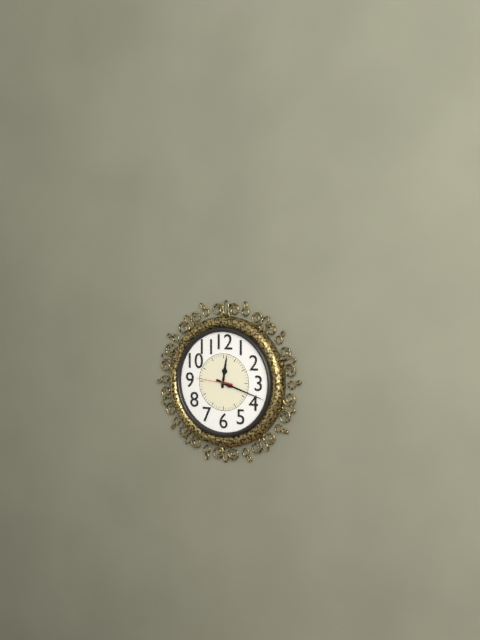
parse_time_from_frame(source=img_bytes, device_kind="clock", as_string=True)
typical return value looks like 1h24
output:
12h18
